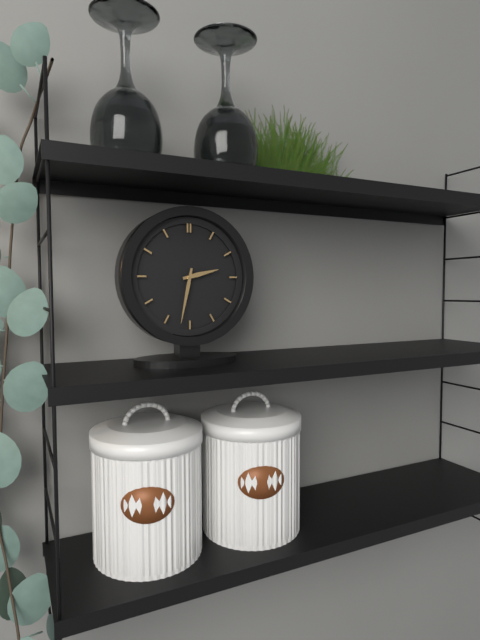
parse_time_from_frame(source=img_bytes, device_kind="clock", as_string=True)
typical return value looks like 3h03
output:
2h32
